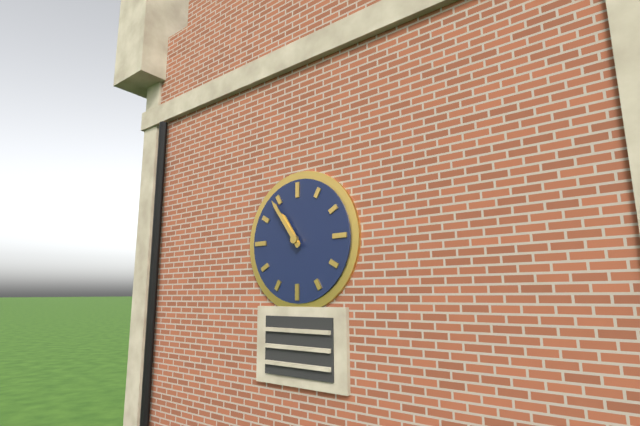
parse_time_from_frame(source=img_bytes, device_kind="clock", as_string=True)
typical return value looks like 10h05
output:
10h54
